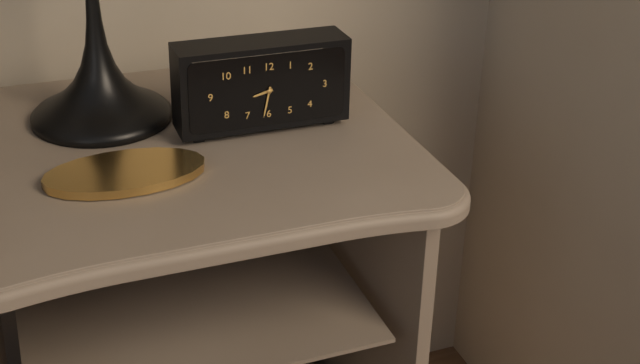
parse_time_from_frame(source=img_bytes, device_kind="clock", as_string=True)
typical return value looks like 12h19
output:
8h32
